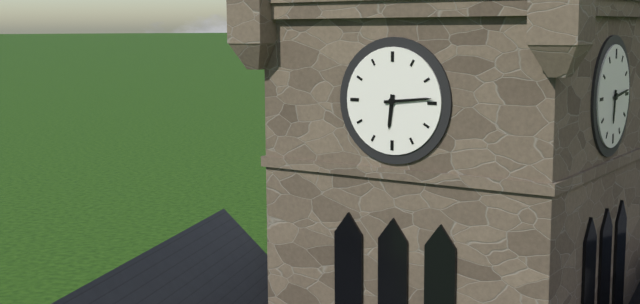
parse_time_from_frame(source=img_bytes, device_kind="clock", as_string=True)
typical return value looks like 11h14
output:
6h14
